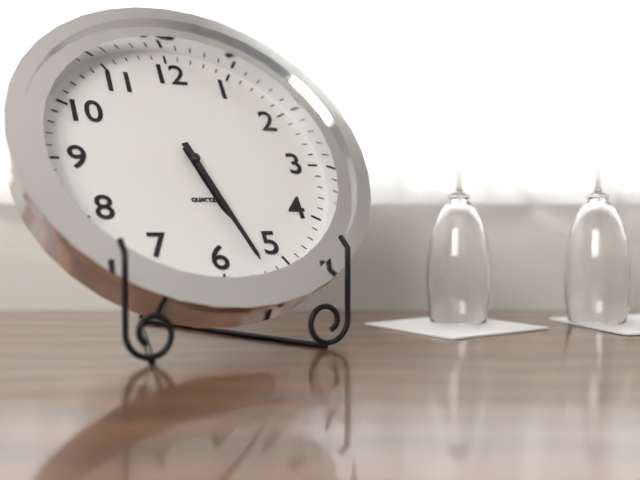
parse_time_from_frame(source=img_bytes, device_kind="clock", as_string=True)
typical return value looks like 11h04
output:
5h27
